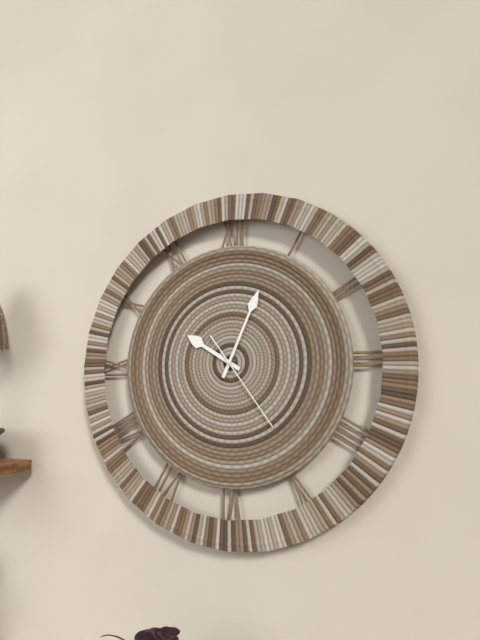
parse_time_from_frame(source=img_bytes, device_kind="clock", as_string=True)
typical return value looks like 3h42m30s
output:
10h04m24s
